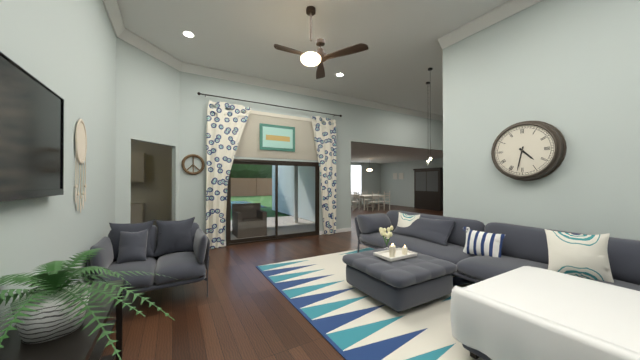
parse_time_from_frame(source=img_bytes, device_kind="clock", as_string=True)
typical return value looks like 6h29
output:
4h32
